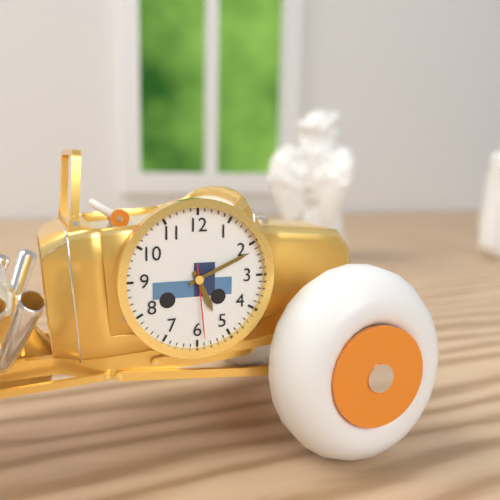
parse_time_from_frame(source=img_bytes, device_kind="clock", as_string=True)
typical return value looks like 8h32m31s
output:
5h11m29s
